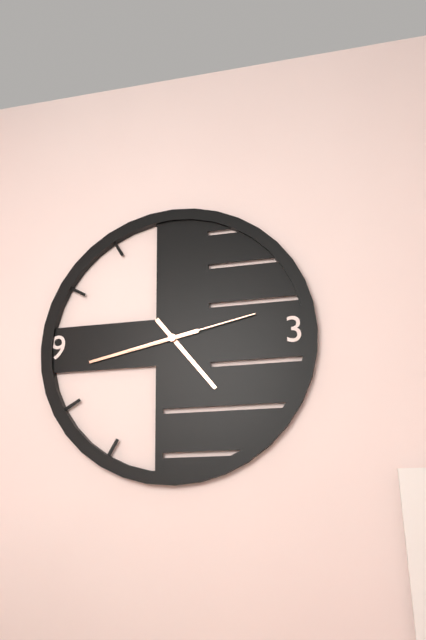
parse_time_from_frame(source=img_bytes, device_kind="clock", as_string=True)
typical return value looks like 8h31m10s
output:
4h43m13s
